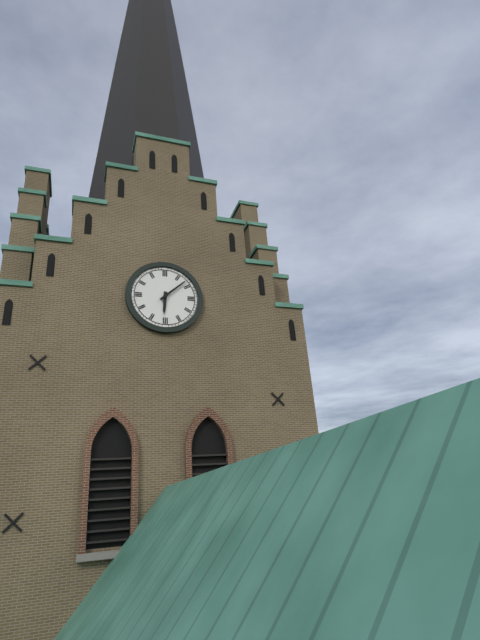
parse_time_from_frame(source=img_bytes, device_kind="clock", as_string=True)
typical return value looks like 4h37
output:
6h08
